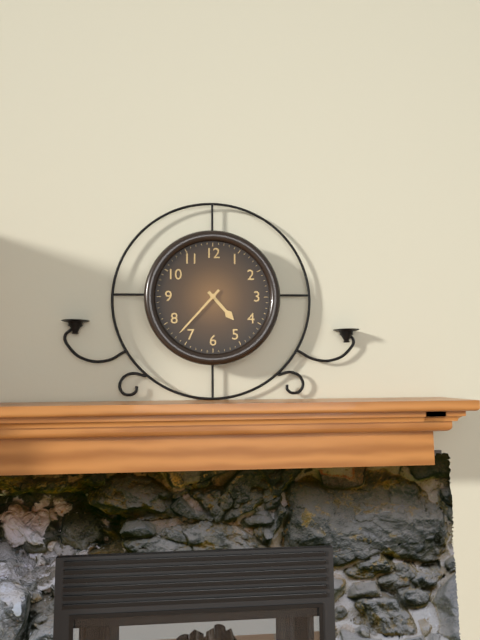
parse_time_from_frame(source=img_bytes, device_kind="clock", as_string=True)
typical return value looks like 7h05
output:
4h37
